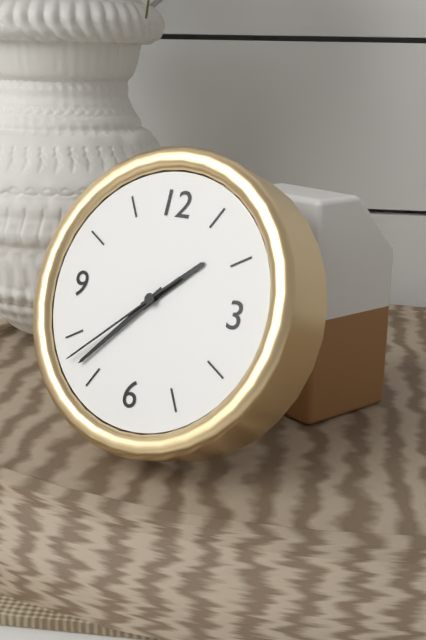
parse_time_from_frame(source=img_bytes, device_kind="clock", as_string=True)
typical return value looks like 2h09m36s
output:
1h37m38s
